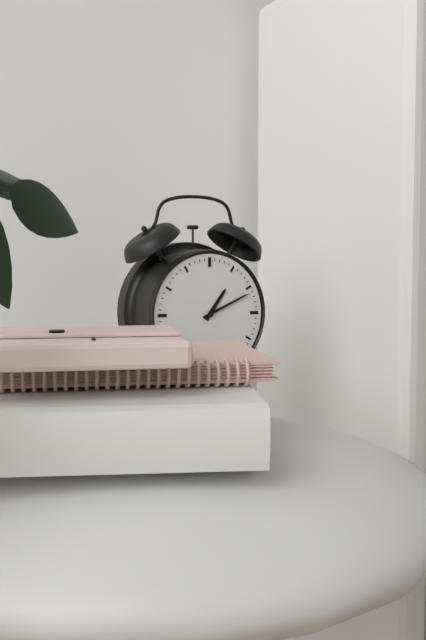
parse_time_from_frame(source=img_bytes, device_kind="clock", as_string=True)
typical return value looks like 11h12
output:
1h11
